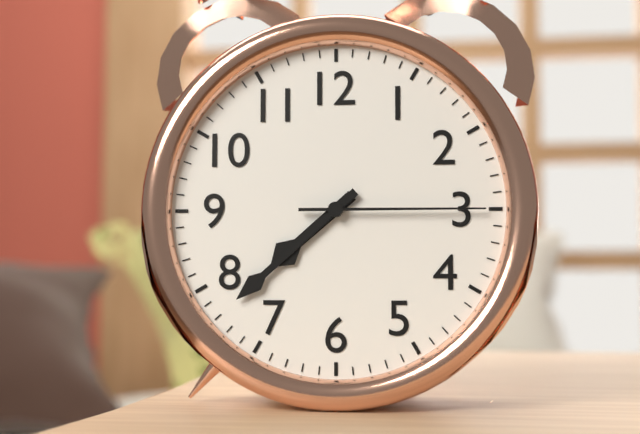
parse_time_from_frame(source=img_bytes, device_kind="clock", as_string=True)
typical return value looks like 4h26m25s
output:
7h38m15s
